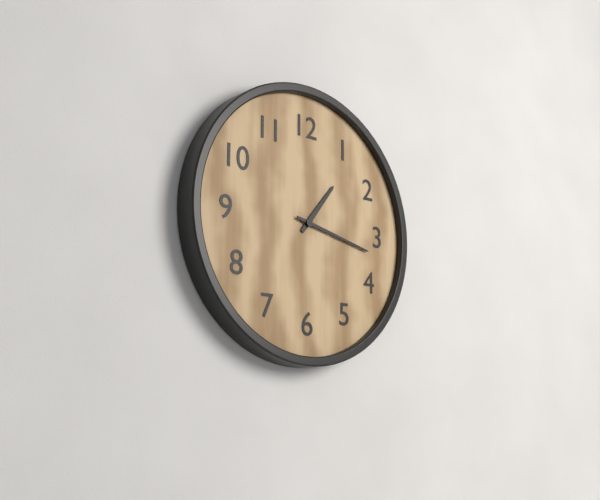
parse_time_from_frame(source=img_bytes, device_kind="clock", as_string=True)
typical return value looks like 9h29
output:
1h17
